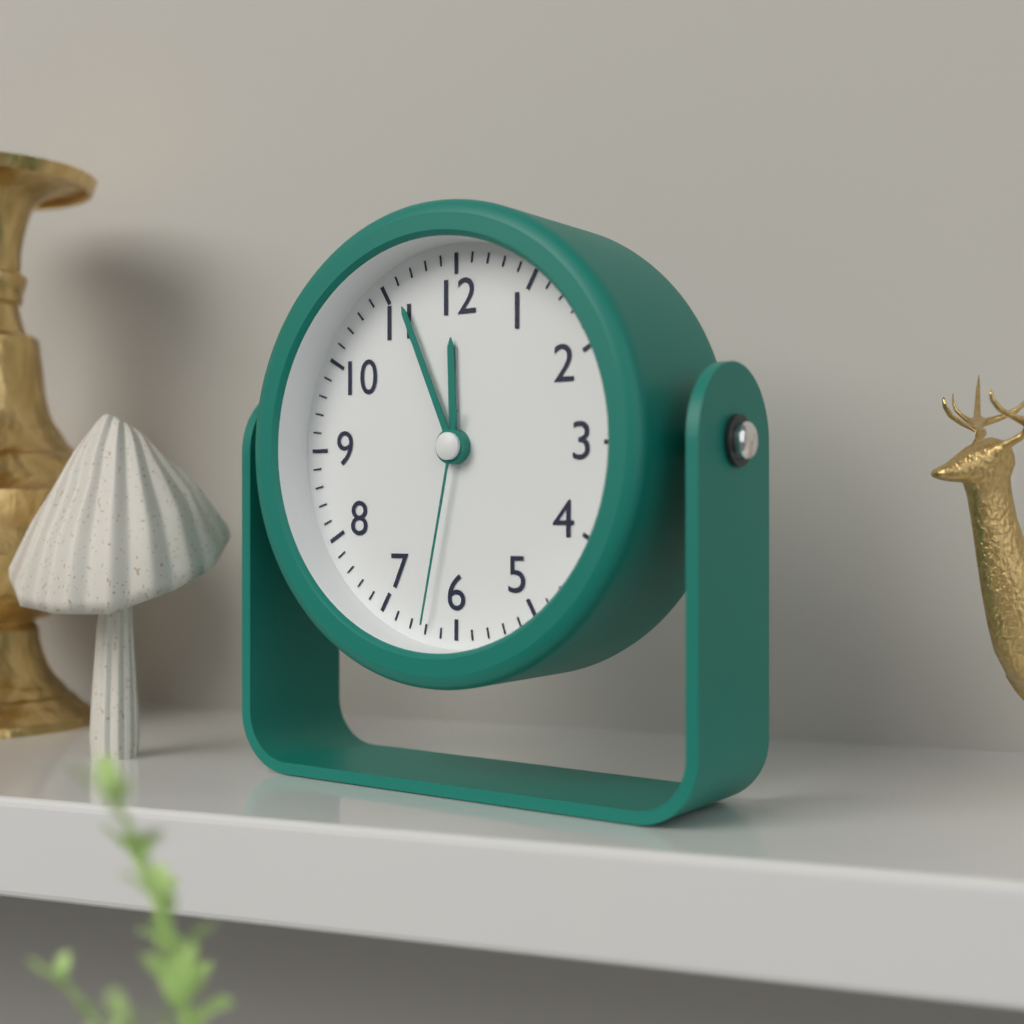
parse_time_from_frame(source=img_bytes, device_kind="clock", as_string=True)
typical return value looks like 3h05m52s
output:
11h56m32s
